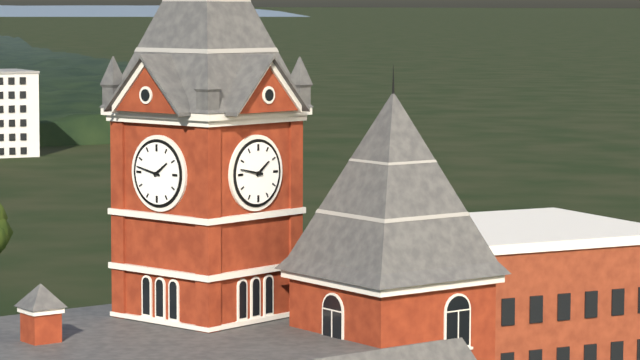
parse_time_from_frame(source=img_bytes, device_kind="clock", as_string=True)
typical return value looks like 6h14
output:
1h47
